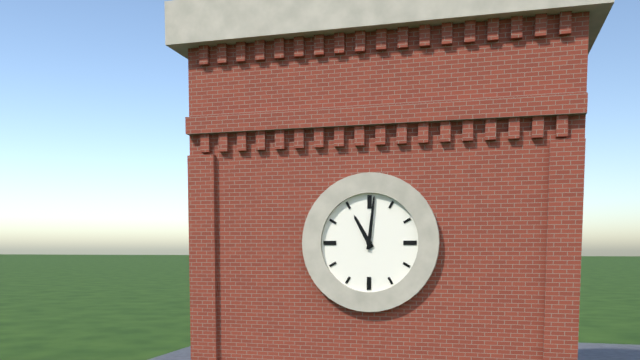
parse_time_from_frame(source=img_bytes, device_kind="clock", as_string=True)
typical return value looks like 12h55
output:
11h01
